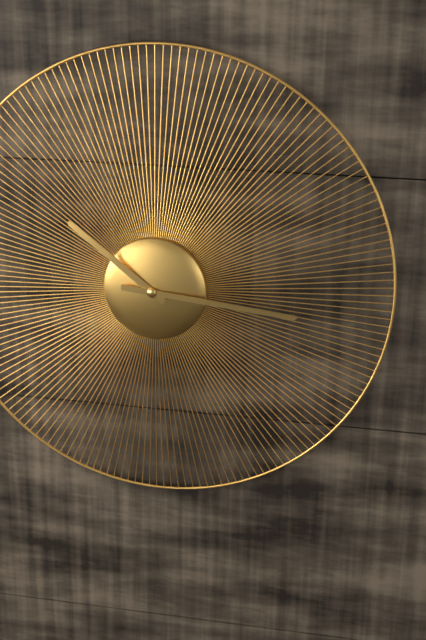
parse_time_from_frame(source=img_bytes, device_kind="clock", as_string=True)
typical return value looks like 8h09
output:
10h16
